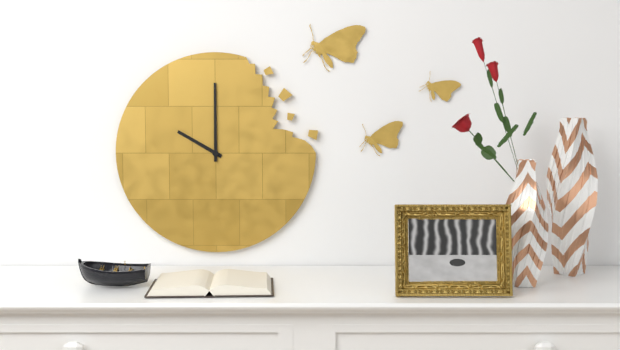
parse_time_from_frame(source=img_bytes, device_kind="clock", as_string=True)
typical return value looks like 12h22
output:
10h00
